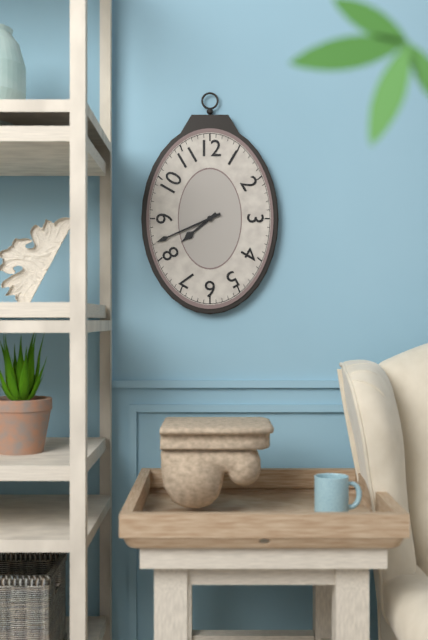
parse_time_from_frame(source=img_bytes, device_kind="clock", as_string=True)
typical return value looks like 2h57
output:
7h41
